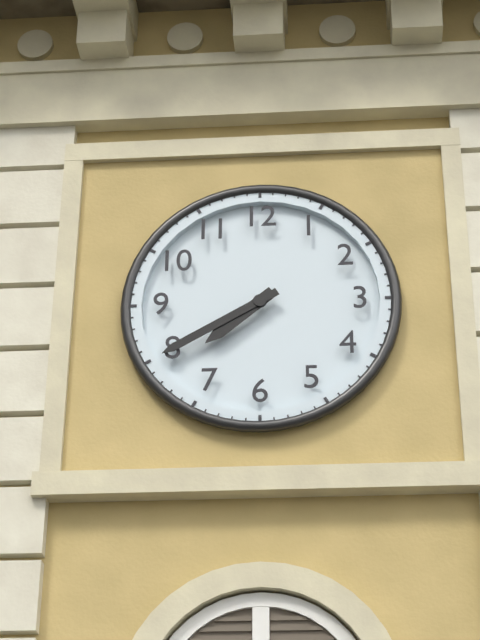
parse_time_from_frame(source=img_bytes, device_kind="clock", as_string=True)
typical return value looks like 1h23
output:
7h40
